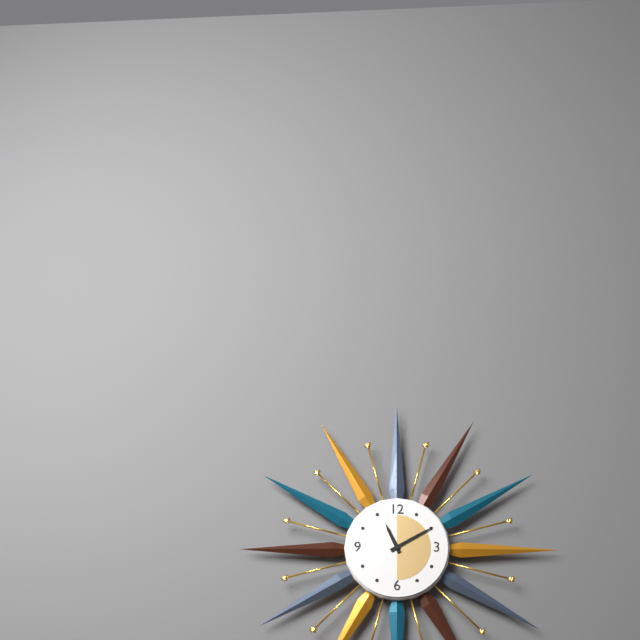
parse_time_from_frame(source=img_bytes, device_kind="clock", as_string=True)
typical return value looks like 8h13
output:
11h10
